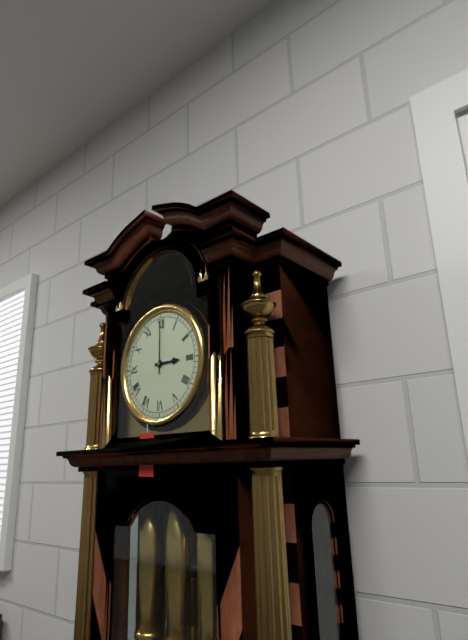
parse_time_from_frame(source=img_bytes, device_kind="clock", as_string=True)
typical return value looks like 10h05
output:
3h00
